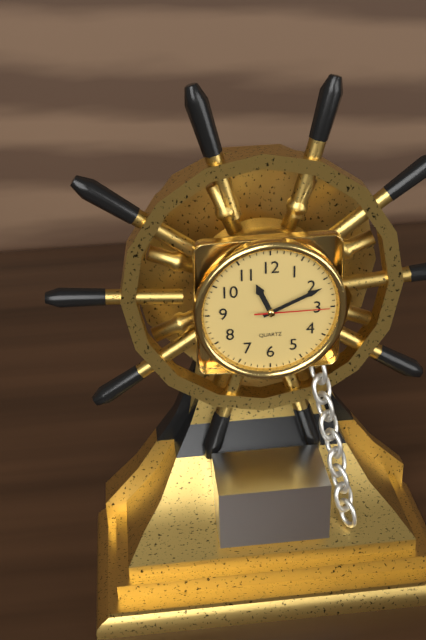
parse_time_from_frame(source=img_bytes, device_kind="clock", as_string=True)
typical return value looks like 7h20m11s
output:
11h11m15s
